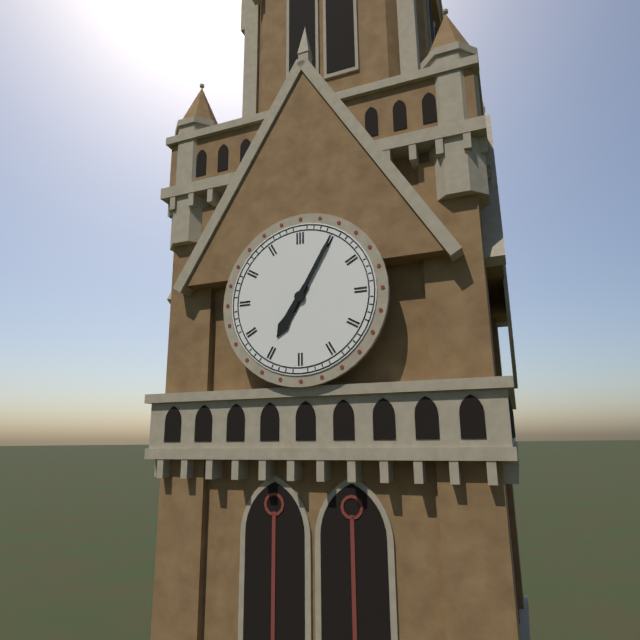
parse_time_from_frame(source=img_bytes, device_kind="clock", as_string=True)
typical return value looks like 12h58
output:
7h05
